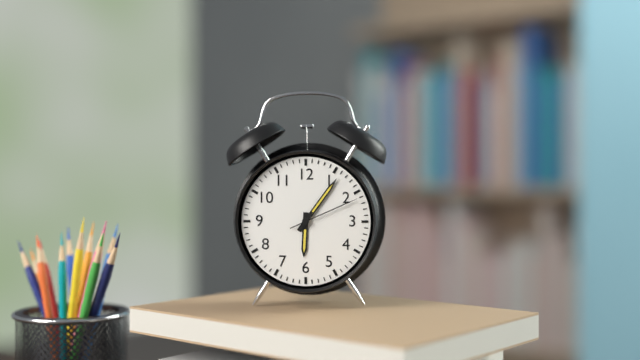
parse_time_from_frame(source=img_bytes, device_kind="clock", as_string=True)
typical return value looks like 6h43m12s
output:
6h06m11s
